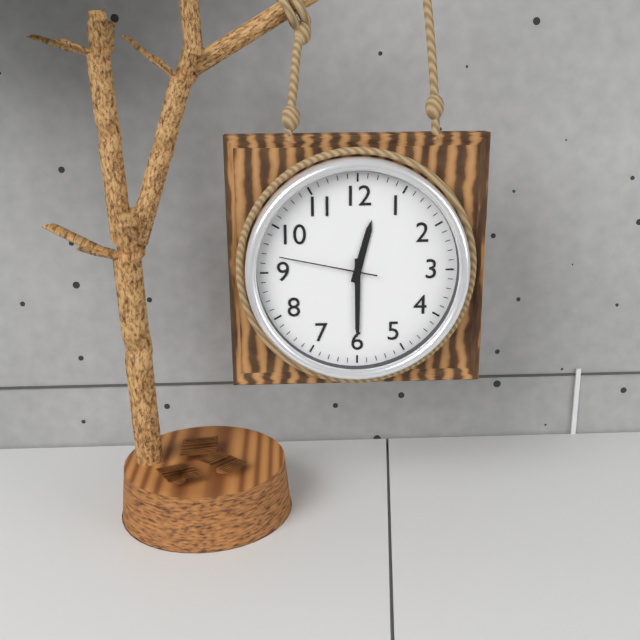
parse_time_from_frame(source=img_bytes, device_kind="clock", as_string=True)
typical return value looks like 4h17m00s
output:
12h30m47s
